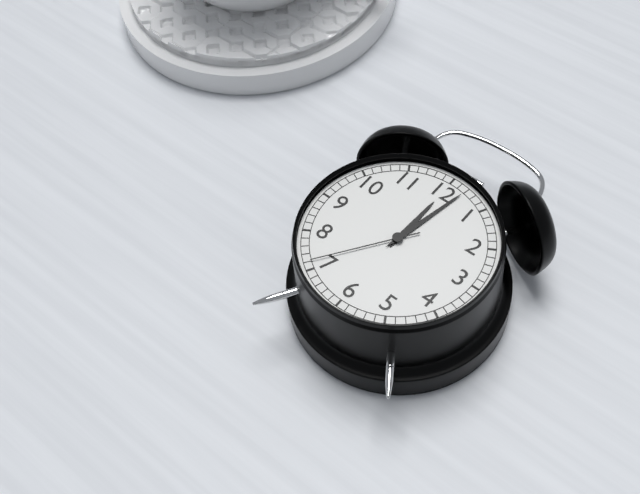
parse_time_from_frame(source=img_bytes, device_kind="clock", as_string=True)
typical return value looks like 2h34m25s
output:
12h02m36s
